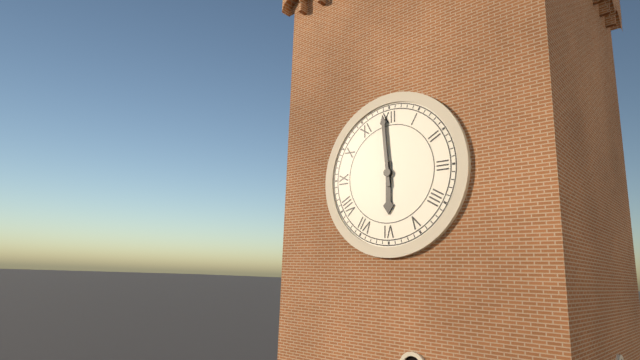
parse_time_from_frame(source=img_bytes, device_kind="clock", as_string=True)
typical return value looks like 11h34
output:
5h59
